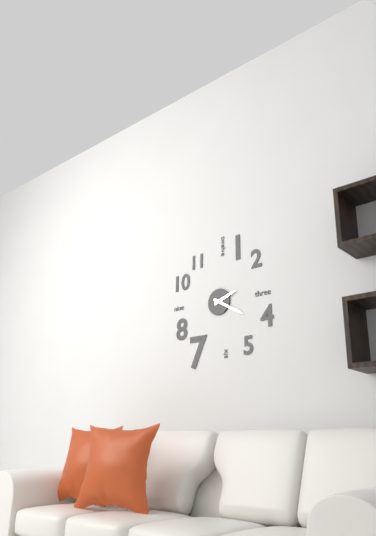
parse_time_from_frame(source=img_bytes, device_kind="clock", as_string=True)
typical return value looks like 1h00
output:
2h20
